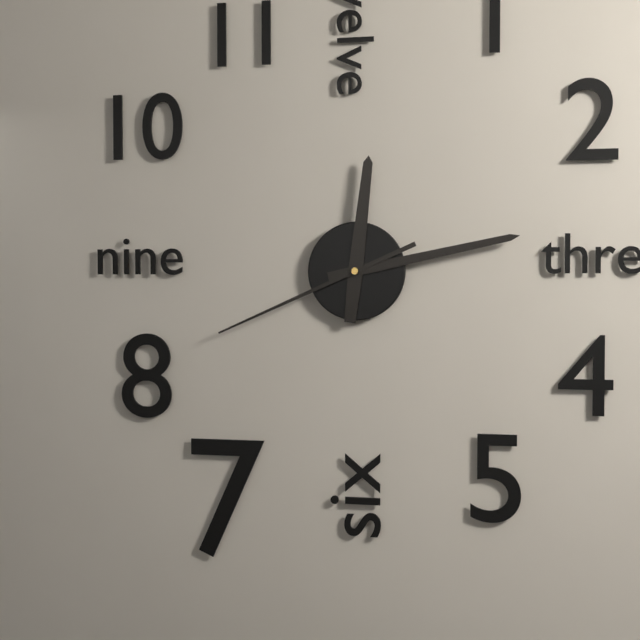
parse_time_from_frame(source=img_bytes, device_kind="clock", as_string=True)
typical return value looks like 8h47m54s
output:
12h13m41s
